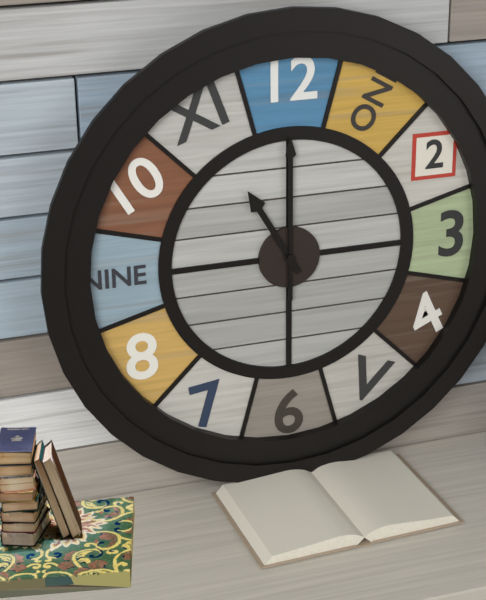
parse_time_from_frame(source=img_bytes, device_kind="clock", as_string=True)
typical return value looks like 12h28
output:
11h00
